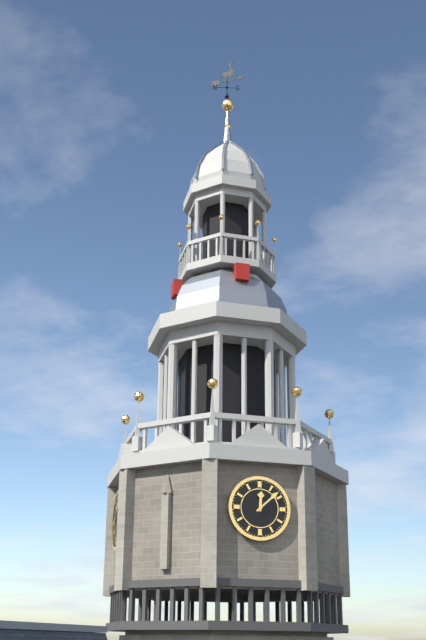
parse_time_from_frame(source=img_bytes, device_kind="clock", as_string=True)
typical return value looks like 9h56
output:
12h08
